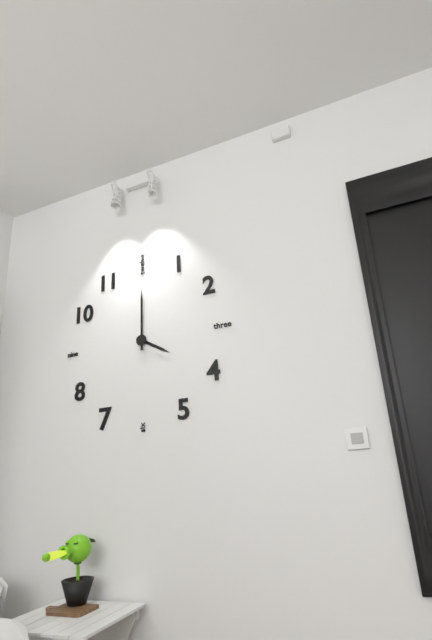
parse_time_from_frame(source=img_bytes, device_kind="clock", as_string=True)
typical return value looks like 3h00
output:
4h00
